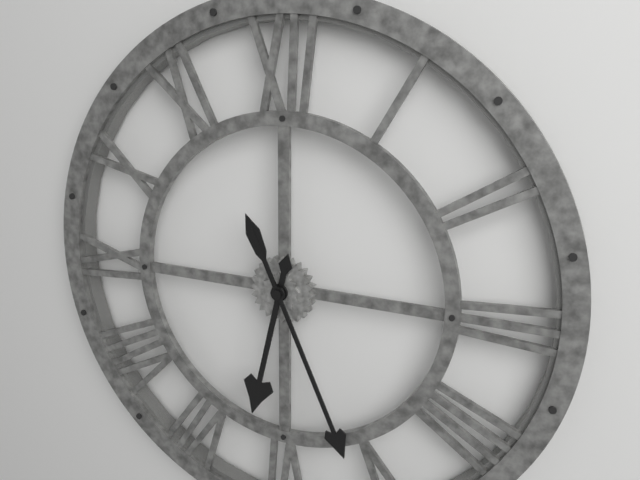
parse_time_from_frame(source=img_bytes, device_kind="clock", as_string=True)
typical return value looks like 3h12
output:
6h26
